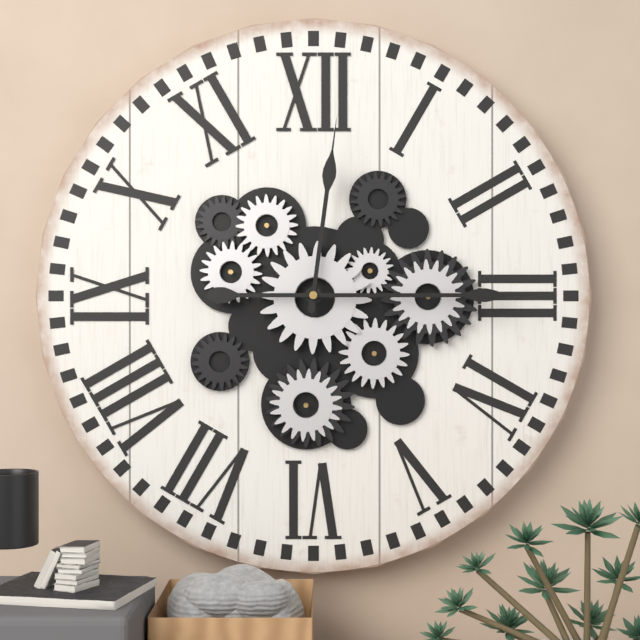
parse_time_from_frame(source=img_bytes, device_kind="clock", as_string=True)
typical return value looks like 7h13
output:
12h15
